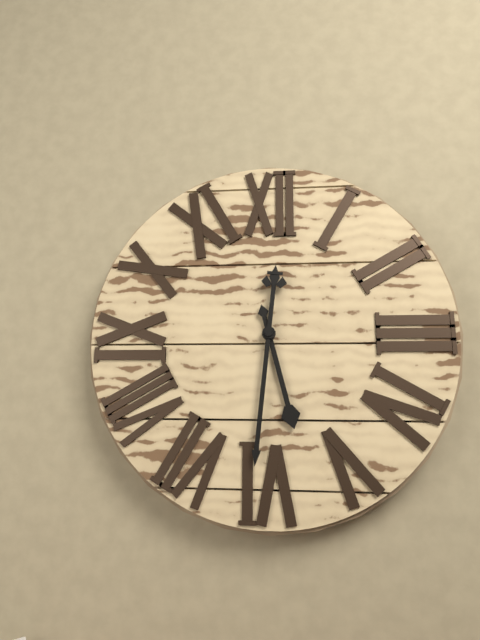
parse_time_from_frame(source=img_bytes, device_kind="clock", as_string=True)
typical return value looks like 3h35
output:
5h31
